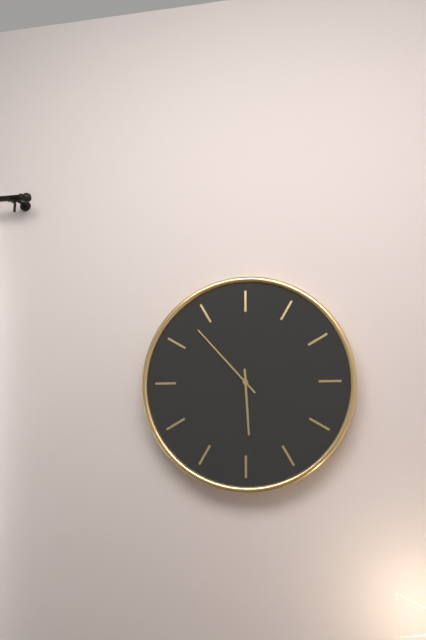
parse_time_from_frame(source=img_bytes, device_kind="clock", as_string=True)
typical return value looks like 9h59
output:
5h53
